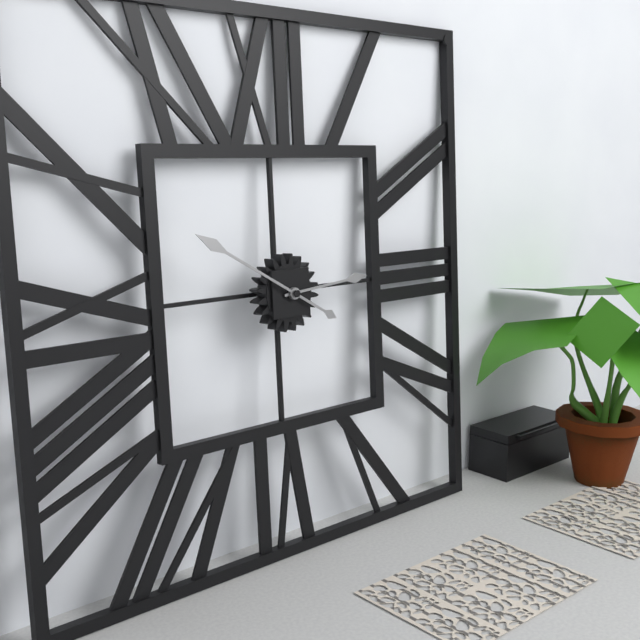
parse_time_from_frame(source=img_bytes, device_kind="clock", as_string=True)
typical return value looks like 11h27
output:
2h50
